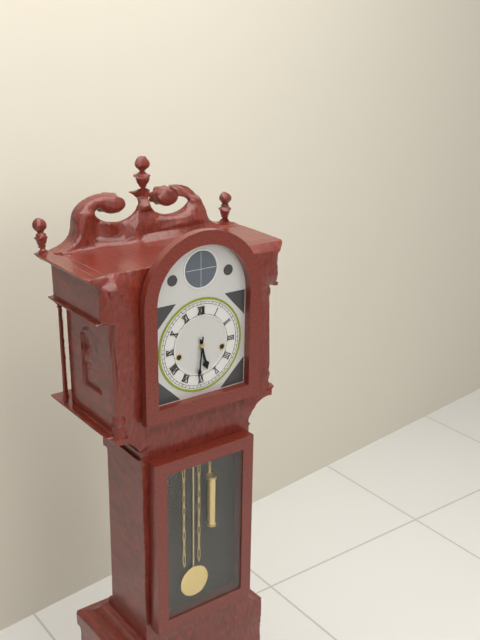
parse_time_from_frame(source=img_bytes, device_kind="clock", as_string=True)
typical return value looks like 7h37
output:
5h31
